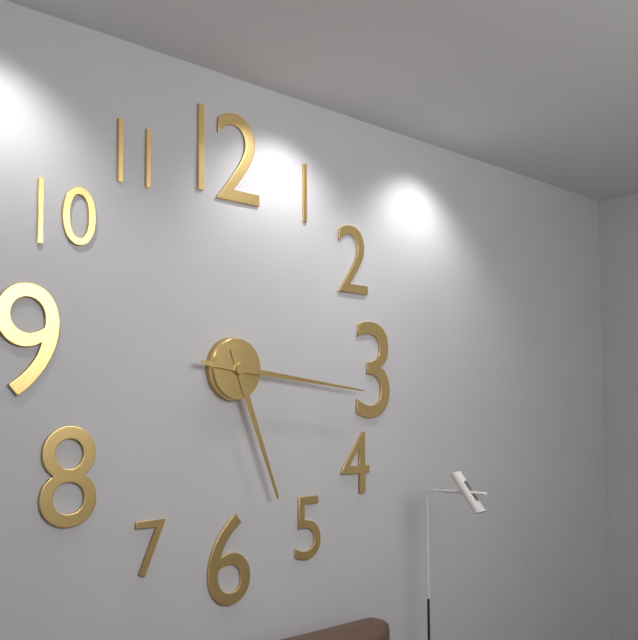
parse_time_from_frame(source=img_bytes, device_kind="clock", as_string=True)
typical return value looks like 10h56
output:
5h16
